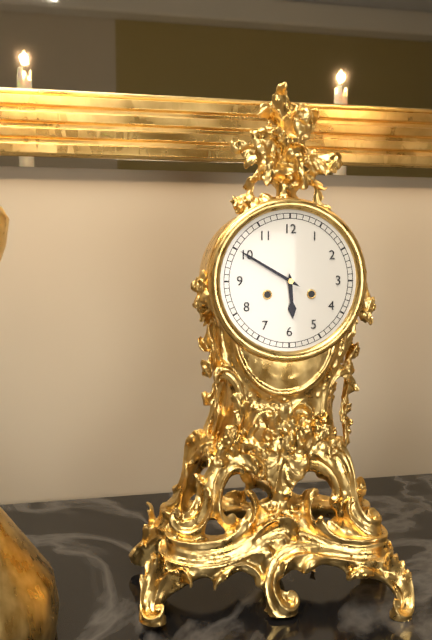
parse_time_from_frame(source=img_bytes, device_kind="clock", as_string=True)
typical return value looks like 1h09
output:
5h50
